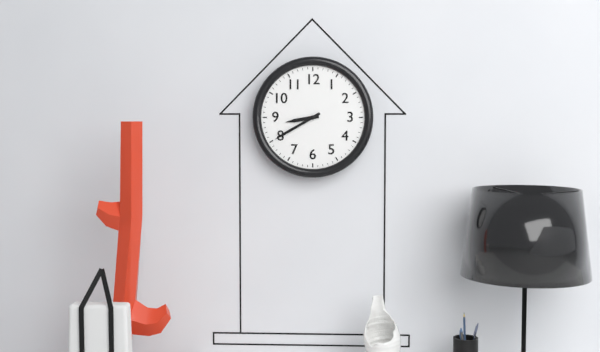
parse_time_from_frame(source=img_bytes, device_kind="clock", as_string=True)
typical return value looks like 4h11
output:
8h40
